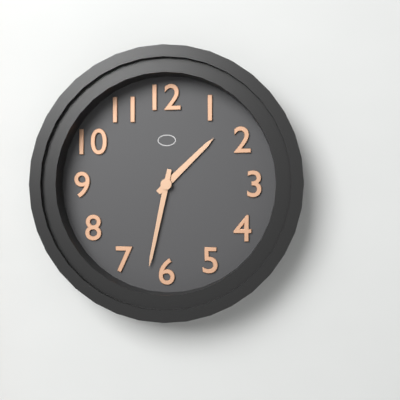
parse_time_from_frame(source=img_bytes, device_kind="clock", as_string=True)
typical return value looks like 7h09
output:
1h32
